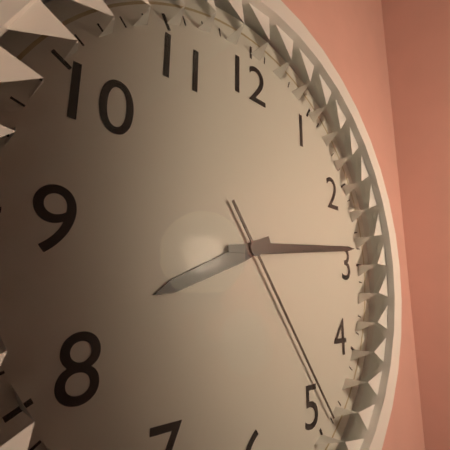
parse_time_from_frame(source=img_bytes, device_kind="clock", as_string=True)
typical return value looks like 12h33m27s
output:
8h14m24s
